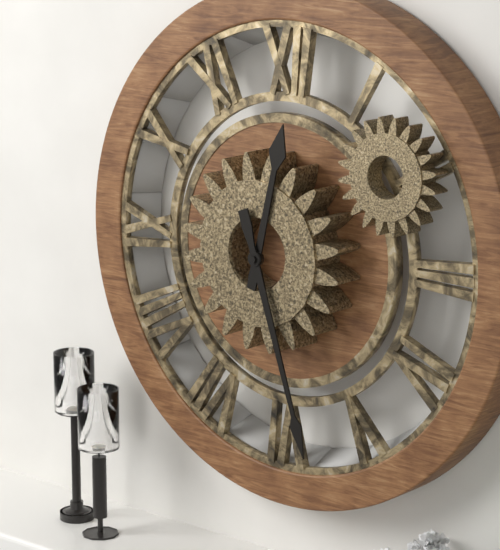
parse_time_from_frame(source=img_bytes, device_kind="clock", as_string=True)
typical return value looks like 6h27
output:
12h27
